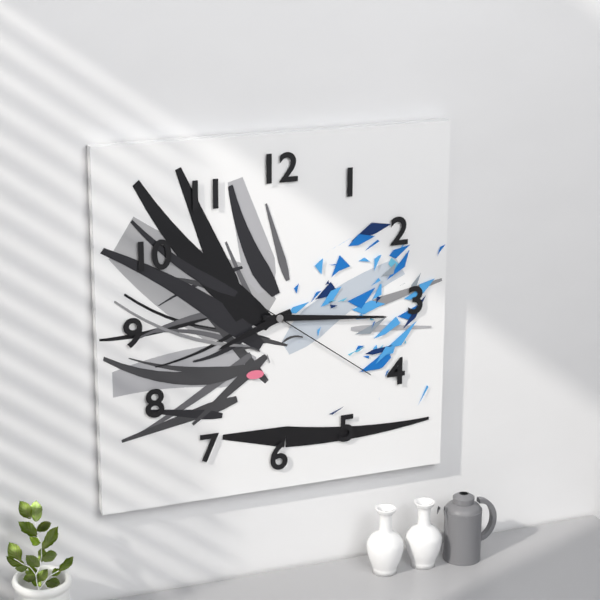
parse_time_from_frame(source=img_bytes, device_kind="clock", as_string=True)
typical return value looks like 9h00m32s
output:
8h16m21s
